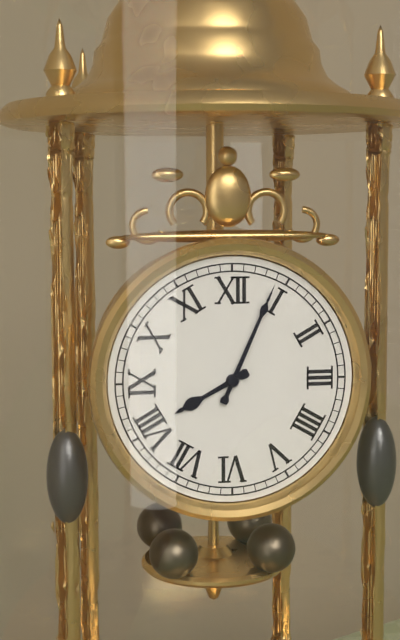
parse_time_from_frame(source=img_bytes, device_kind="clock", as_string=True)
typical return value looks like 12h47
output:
8h04
